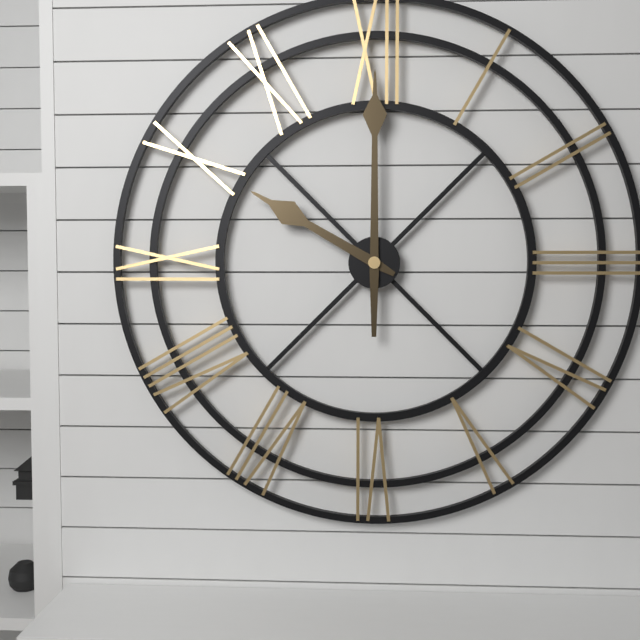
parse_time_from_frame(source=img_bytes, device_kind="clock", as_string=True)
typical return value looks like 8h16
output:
10h00
